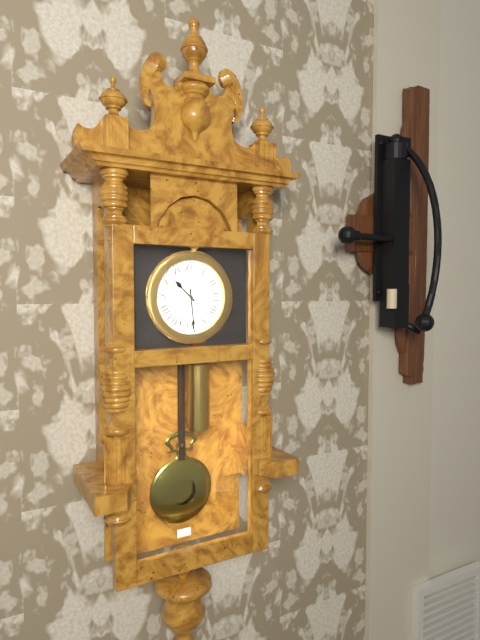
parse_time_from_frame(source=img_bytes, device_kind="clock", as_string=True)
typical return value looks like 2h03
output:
10h29
